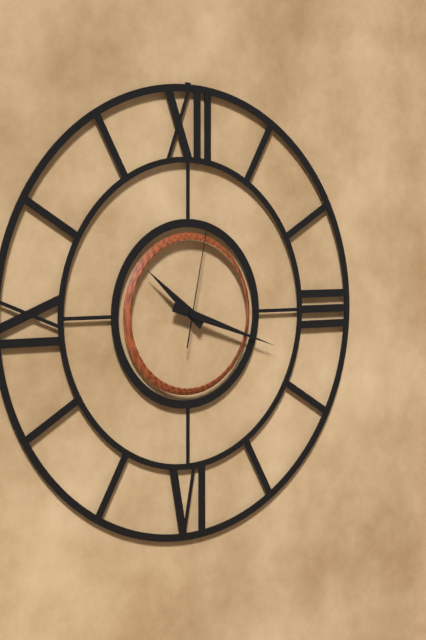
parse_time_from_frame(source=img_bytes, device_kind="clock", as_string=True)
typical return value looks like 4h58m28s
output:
10h18m02s
